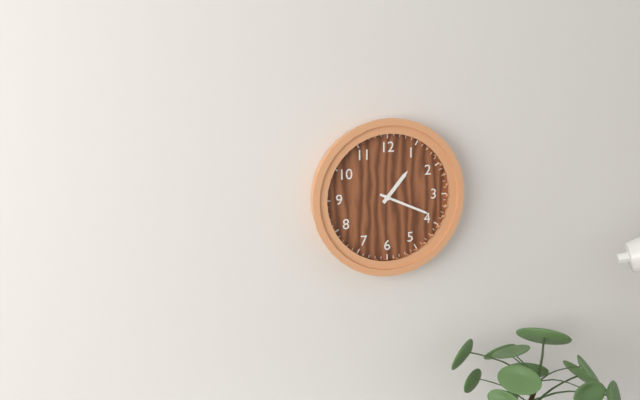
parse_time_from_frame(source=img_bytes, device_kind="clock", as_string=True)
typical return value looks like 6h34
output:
1h19
